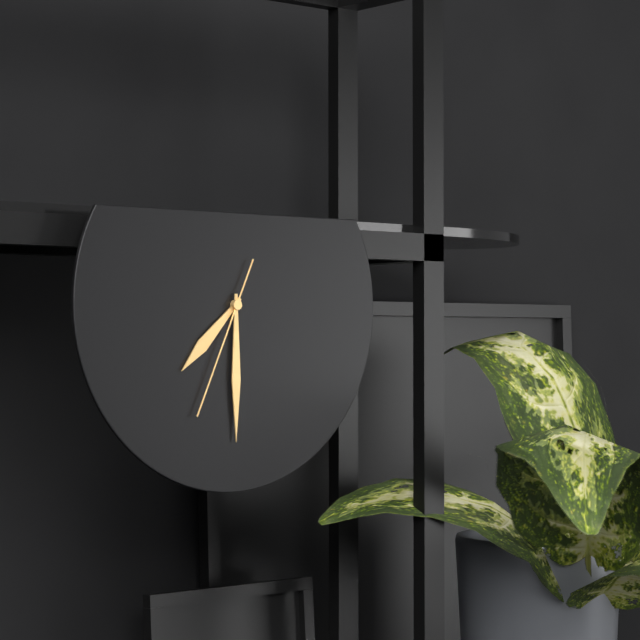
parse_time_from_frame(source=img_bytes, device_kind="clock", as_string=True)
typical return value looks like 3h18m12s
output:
7h30m34s
